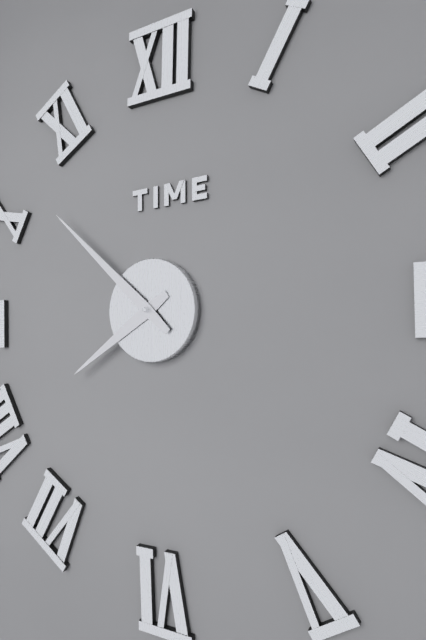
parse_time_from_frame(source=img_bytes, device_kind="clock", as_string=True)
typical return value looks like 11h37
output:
7h52
